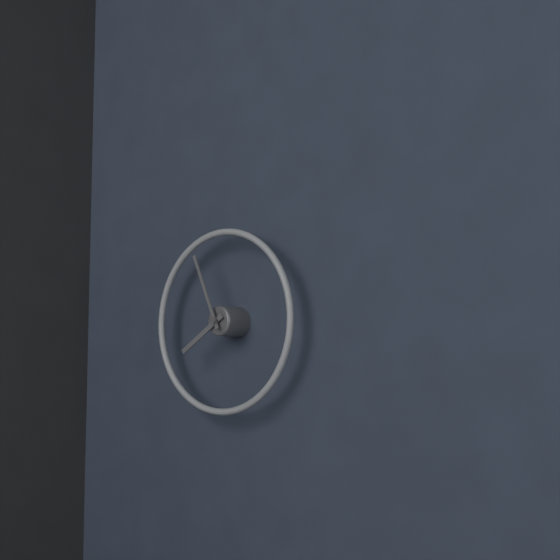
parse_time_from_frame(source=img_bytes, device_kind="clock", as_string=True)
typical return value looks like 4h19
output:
7h56
